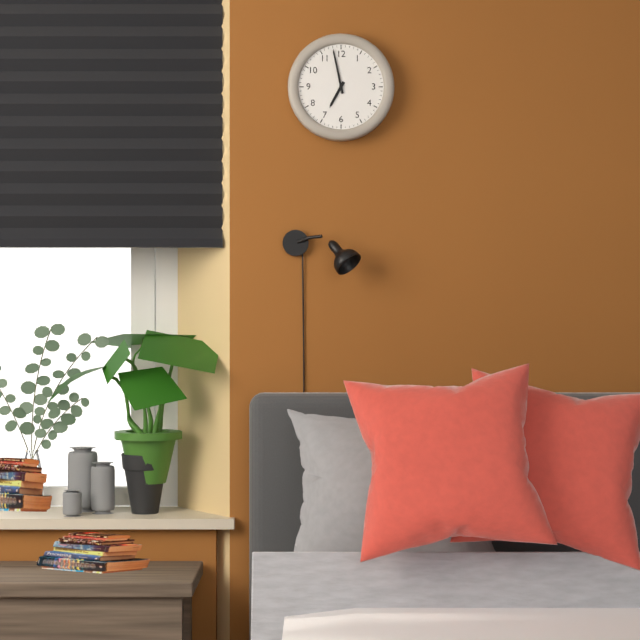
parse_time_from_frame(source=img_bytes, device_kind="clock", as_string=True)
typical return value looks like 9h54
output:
6h58
